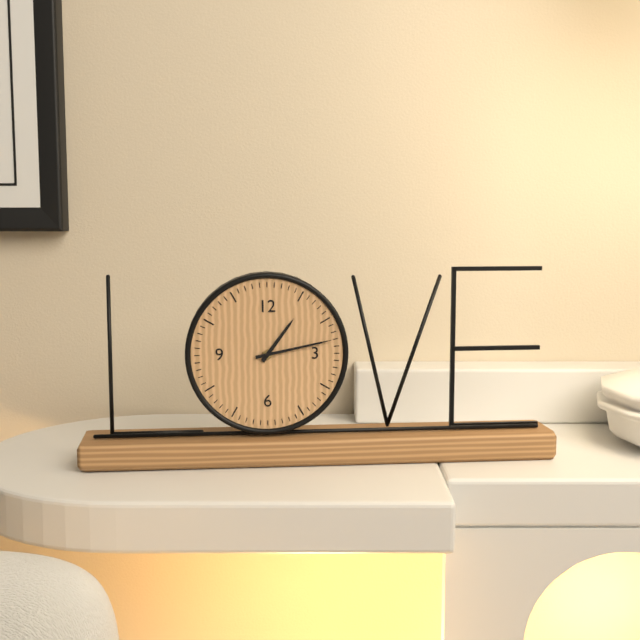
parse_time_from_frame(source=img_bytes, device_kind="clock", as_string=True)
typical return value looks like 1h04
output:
1h13
